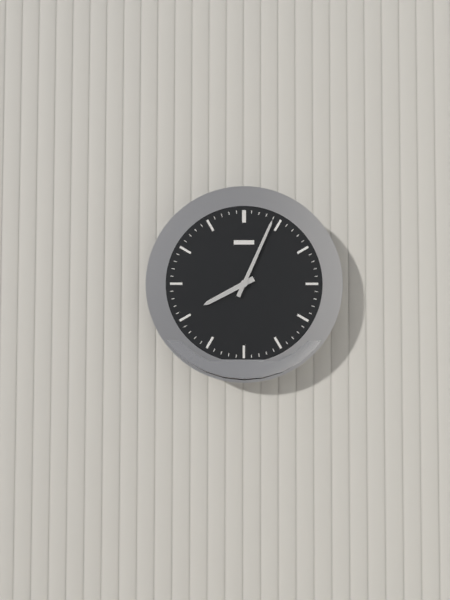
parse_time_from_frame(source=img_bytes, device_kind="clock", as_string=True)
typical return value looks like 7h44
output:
8h04
